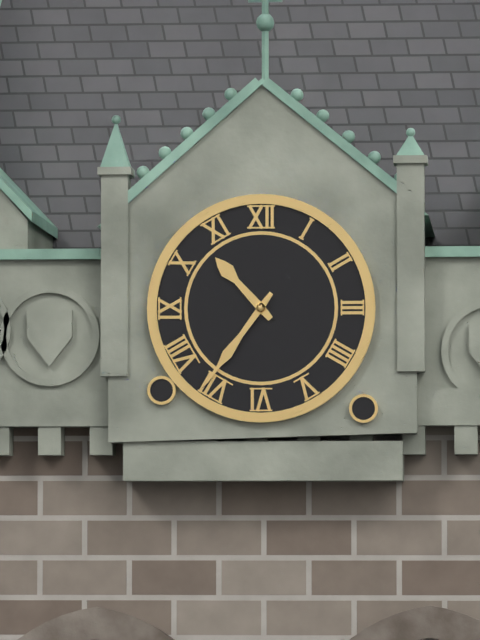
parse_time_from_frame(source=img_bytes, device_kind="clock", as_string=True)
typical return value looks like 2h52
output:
10h36
